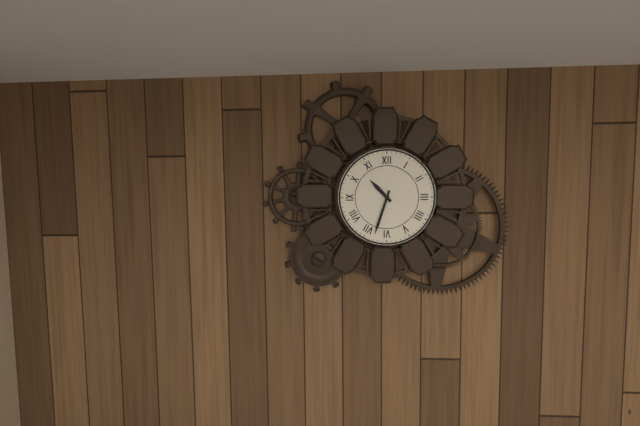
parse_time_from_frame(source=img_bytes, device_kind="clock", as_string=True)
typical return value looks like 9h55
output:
10h33
